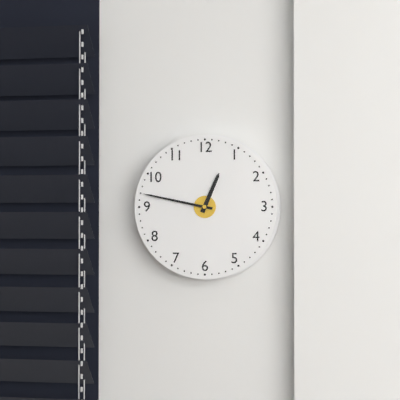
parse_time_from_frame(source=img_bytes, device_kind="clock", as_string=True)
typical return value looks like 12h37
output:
12h47
